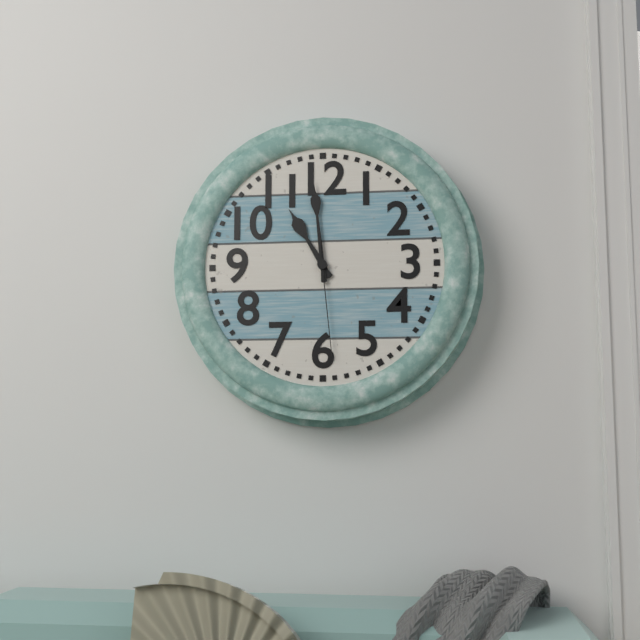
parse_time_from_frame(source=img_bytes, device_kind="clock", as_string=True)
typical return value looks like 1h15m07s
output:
10h59m29s
